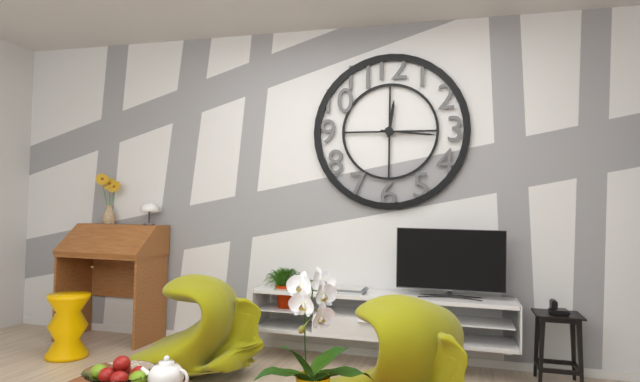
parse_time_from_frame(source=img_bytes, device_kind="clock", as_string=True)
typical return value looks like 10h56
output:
12h16
